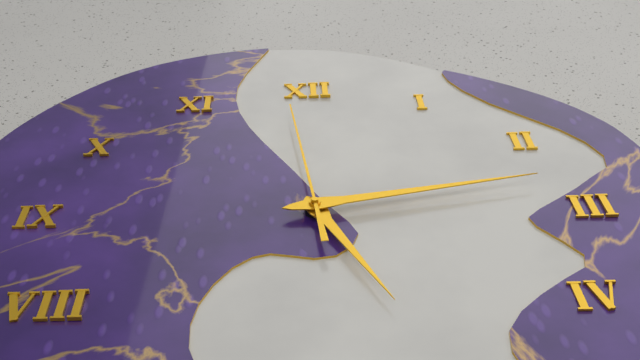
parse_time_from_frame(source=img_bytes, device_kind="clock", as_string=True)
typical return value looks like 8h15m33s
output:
5h13m59s
